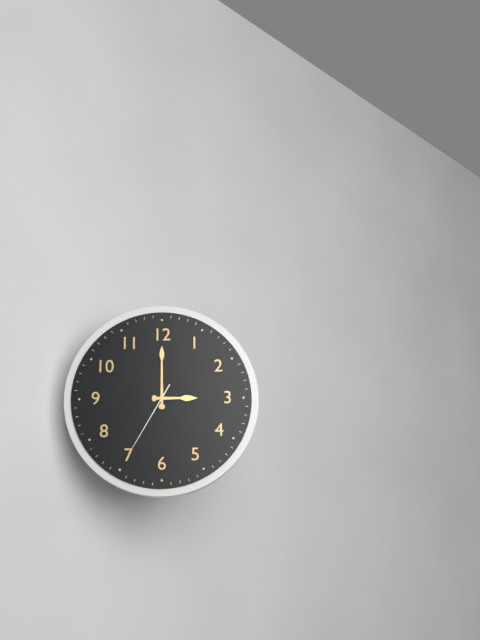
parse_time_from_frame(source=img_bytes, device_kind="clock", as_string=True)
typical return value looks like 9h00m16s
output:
3h00m35s
